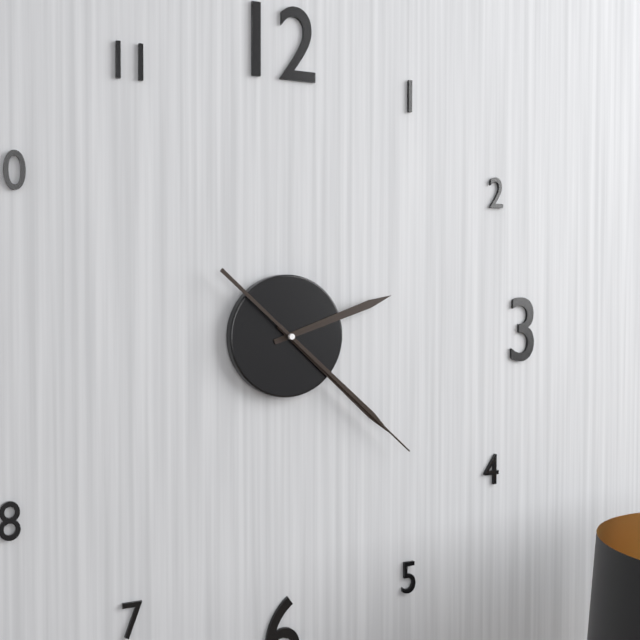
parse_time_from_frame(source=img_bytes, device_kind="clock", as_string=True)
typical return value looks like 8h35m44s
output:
2h22m22s
